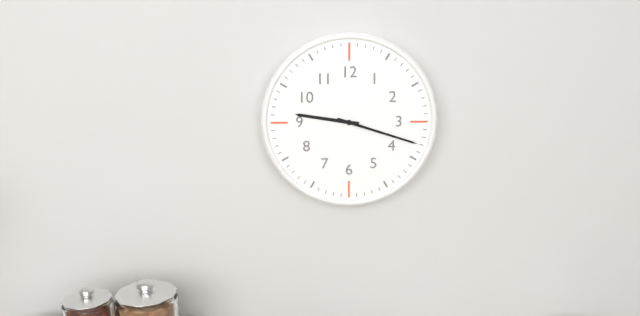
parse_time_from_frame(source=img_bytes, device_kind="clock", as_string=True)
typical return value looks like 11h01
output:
9h18
